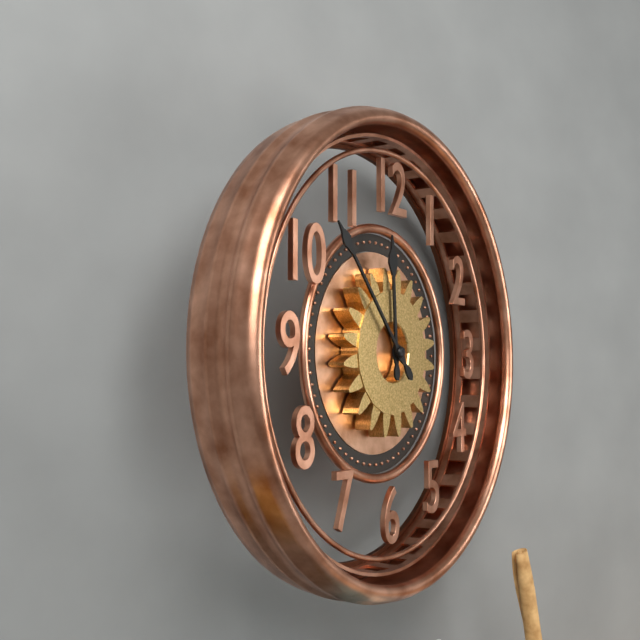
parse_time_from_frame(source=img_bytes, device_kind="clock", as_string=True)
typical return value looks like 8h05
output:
11h53
